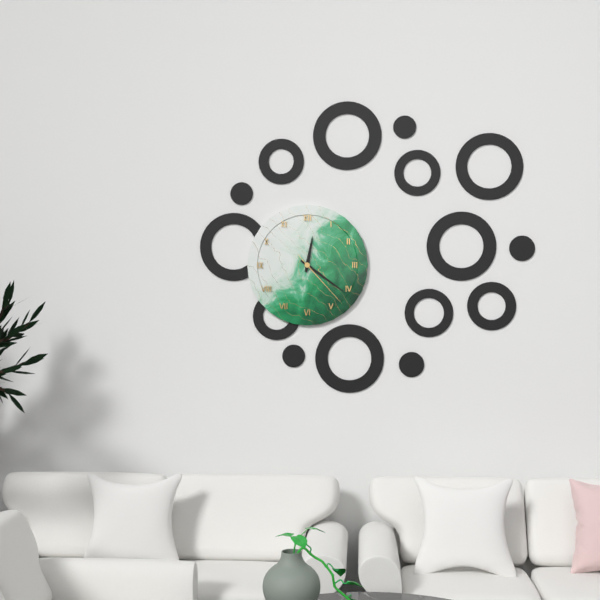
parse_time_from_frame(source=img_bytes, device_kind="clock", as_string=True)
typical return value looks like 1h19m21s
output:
12h21m23s
